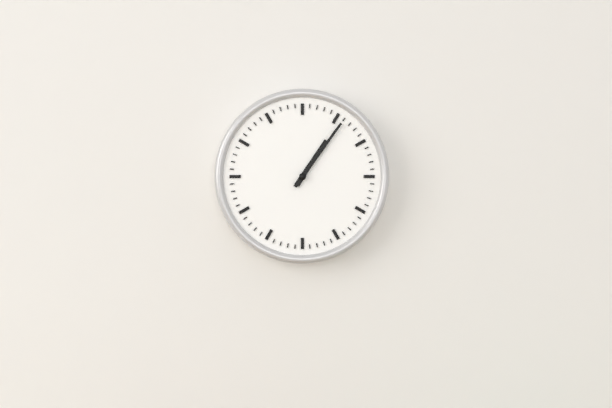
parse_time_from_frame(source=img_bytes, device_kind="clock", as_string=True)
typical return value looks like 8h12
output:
1h06
